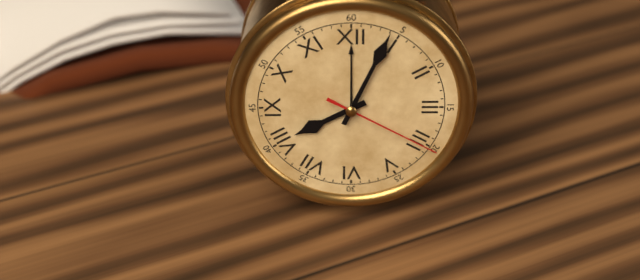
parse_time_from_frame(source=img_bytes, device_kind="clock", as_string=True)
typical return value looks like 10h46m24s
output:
8h04m20s
